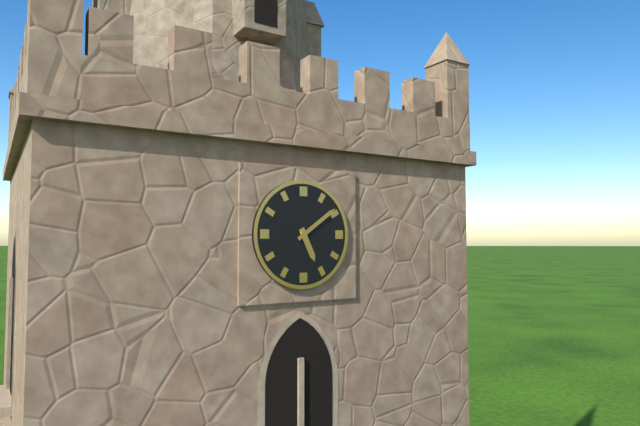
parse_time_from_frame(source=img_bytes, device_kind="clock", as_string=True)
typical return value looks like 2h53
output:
5h09
